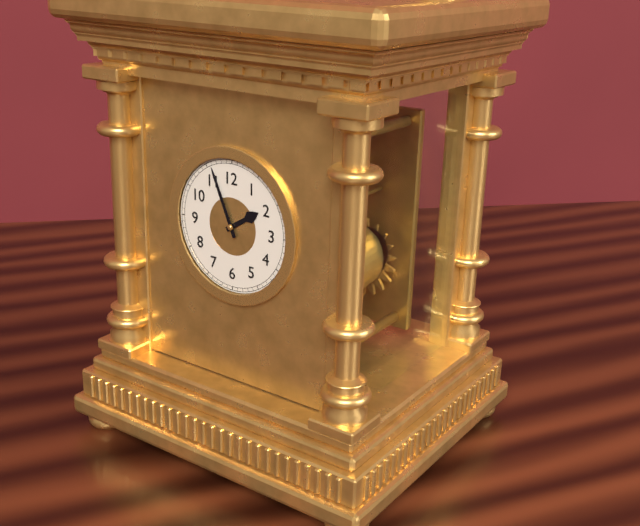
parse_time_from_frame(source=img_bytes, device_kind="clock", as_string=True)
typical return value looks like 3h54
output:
1h56
